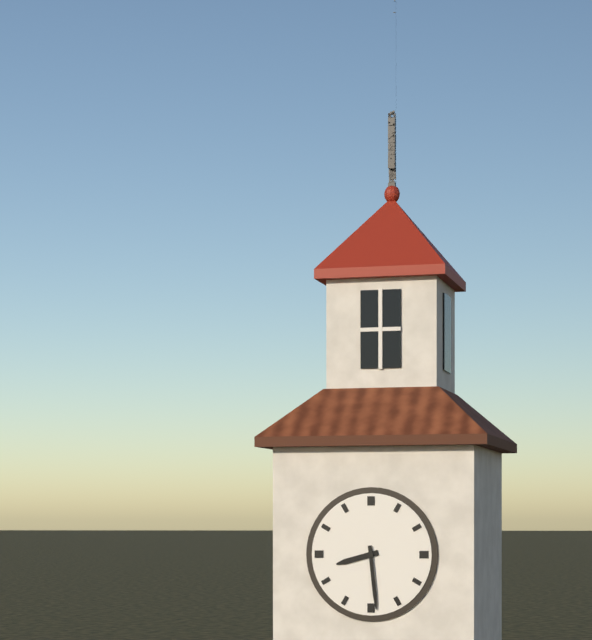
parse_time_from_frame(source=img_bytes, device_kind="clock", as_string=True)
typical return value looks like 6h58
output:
8h29
